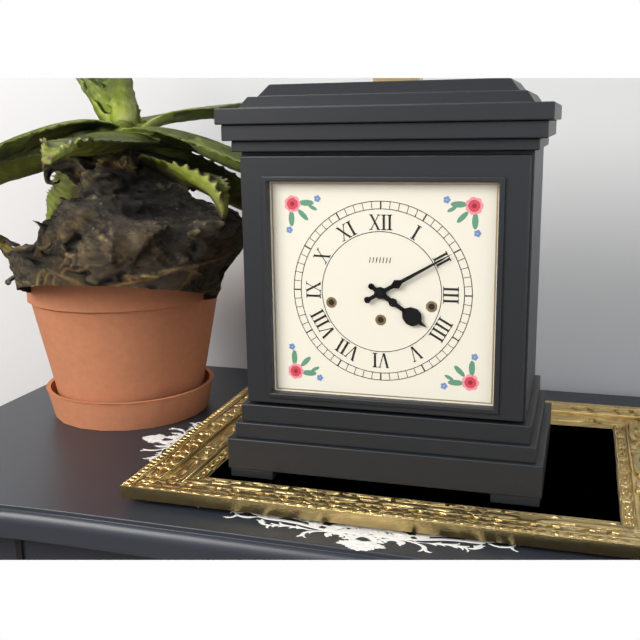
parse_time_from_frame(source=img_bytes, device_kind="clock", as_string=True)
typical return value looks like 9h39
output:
4h10
